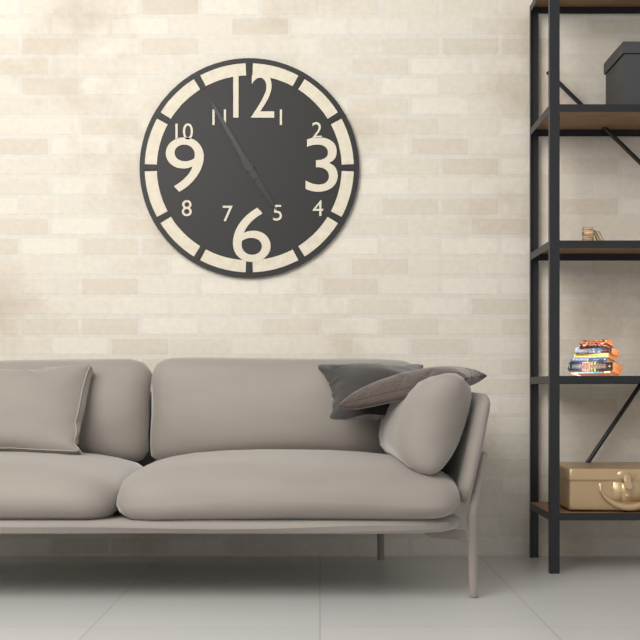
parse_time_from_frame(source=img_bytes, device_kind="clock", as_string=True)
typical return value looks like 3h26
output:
4h55
